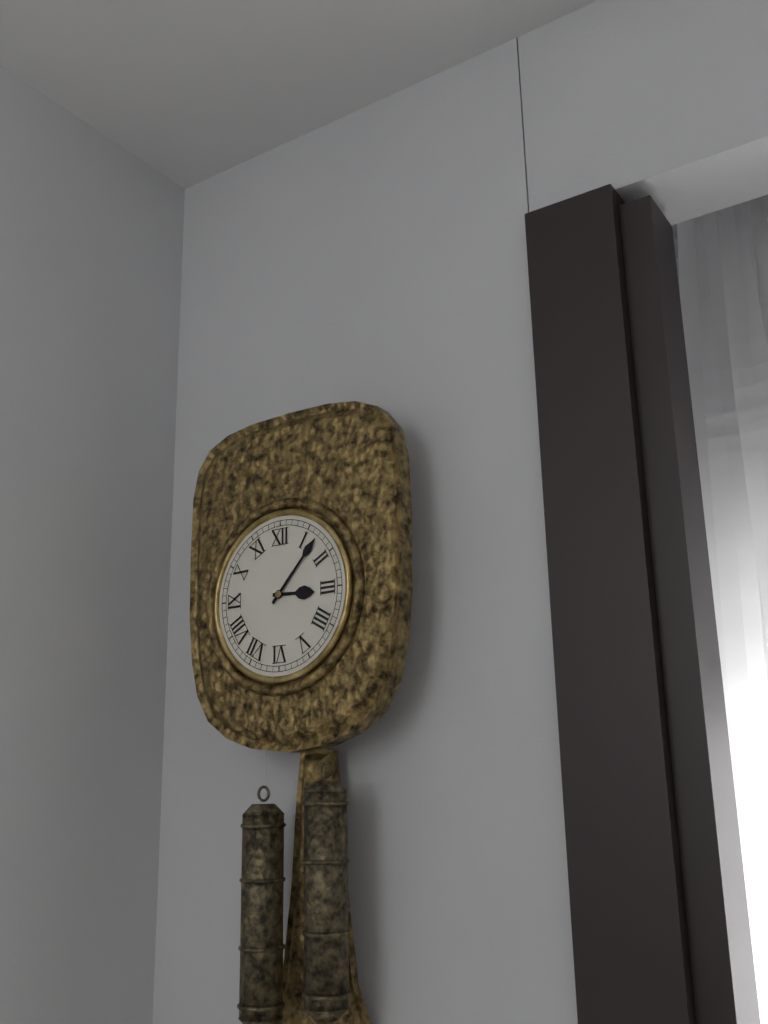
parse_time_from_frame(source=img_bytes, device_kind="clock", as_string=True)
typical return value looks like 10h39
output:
3h07
